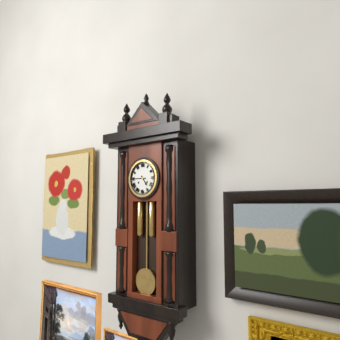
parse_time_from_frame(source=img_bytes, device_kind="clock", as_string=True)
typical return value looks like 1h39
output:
4h45
